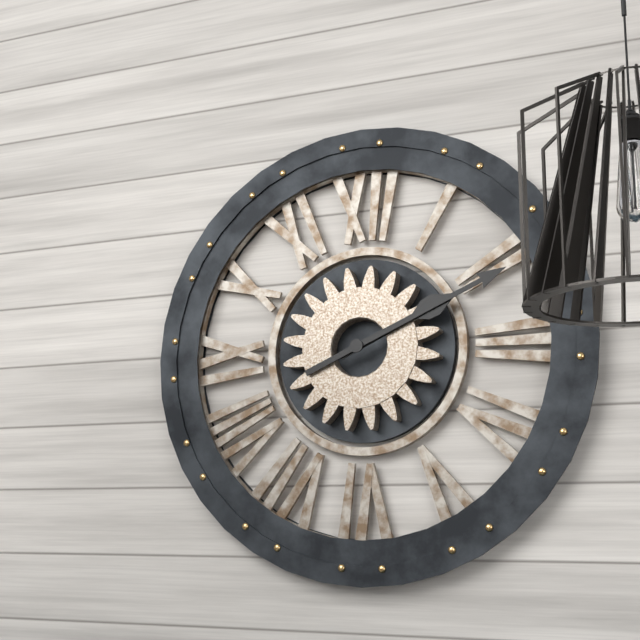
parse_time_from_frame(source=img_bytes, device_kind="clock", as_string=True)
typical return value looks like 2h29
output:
2h11
